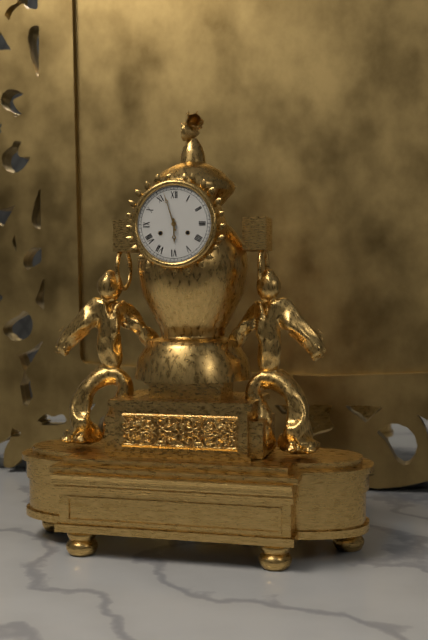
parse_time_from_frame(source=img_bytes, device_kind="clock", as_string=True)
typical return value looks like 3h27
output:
5h57
